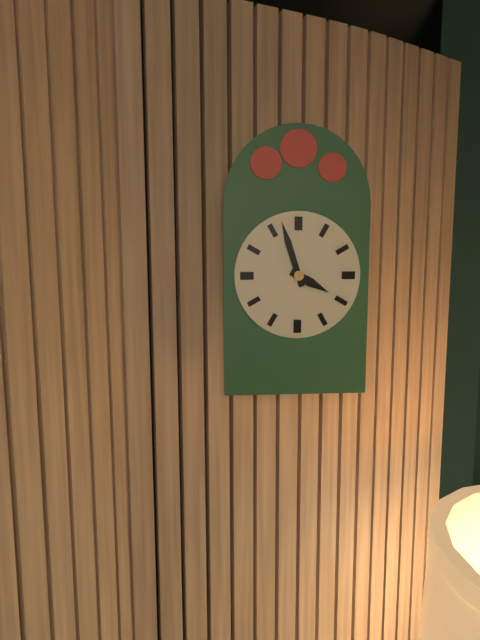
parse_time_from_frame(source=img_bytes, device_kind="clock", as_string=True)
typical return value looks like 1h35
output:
3h57
